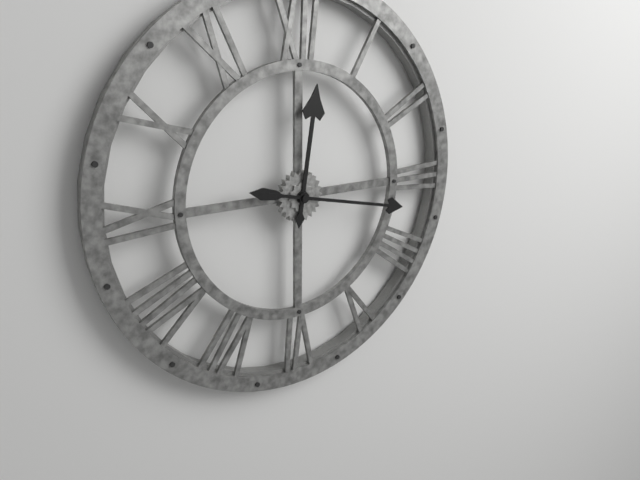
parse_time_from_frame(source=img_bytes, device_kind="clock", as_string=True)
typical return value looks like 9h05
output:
12h17
